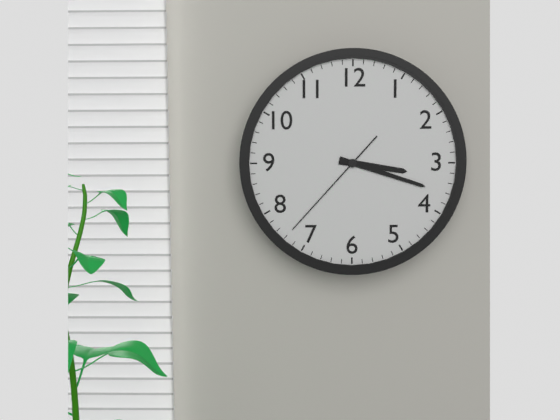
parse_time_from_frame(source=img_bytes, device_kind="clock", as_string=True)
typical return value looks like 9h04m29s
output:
3h18m37s
